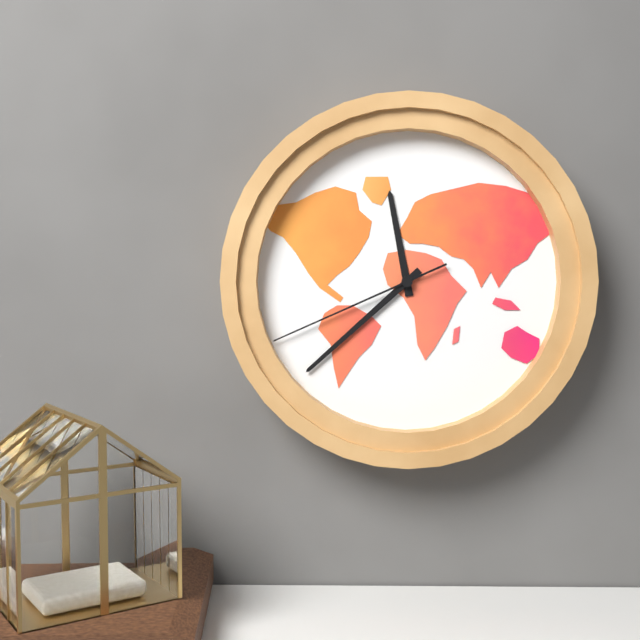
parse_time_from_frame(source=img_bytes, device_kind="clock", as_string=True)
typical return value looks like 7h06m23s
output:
11h38m41s
